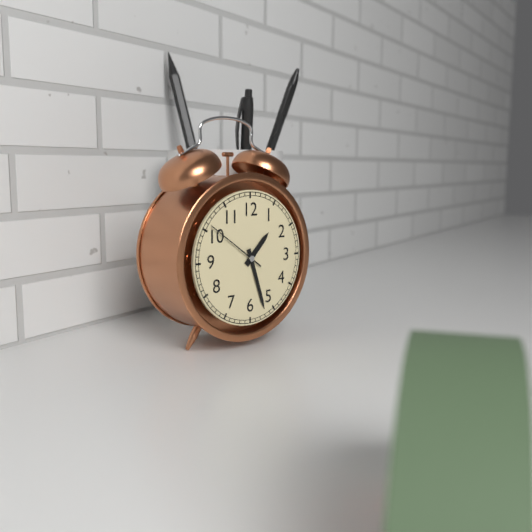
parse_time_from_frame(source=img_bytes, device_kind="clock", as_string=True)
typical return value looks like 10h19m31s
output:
1h27m51s
